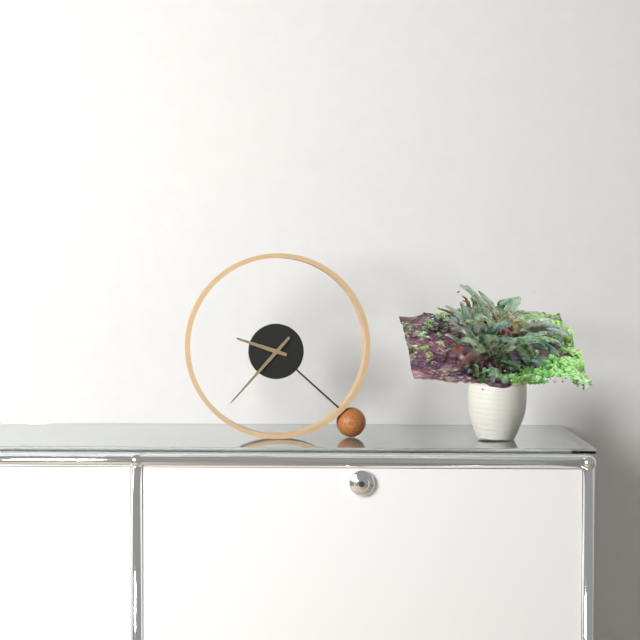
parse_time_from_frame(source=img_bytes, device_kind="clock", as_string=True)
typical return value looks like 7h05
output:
9h37
